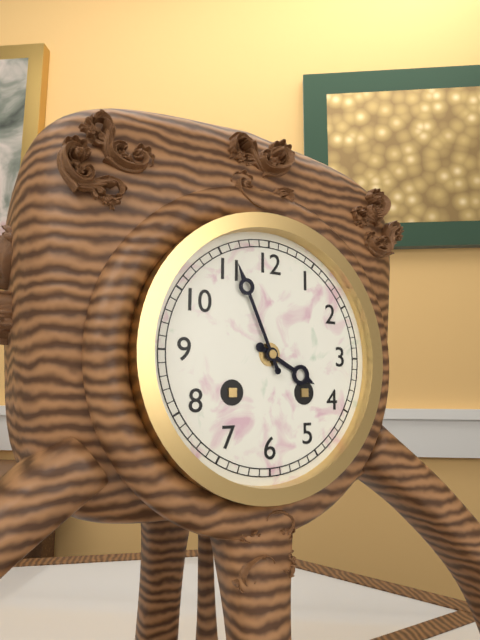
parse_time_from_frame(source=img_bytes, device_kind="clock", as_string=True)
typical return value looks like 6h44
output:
3h56
